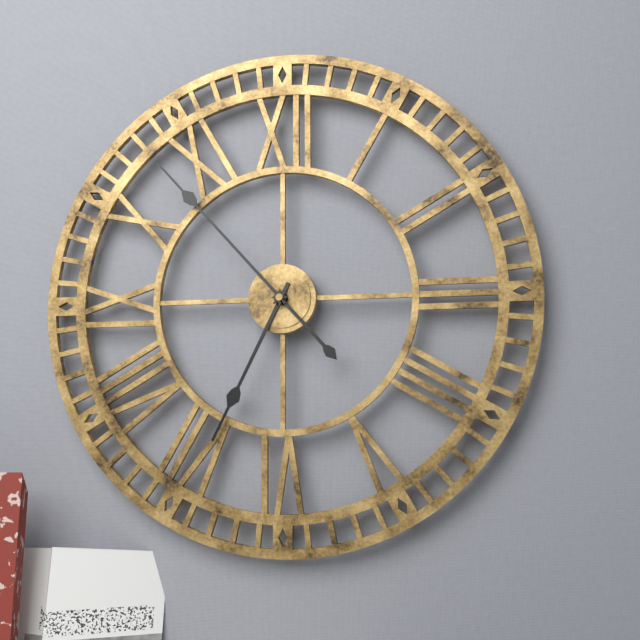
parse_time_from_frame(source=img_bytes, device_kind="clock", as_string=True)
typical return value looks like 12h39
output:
6h53
